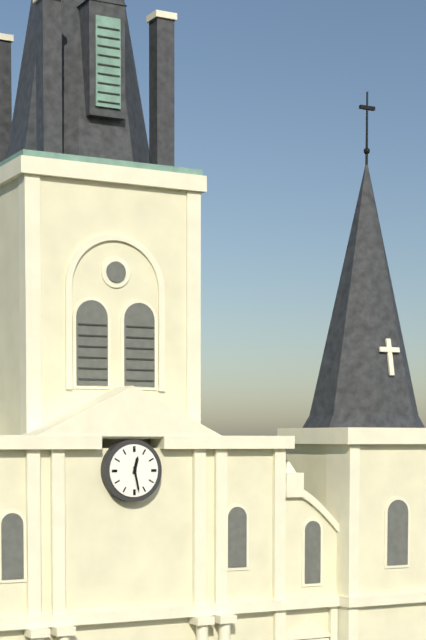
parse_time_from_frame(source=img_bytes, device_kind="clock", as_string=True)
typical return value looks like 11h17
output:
12h28
